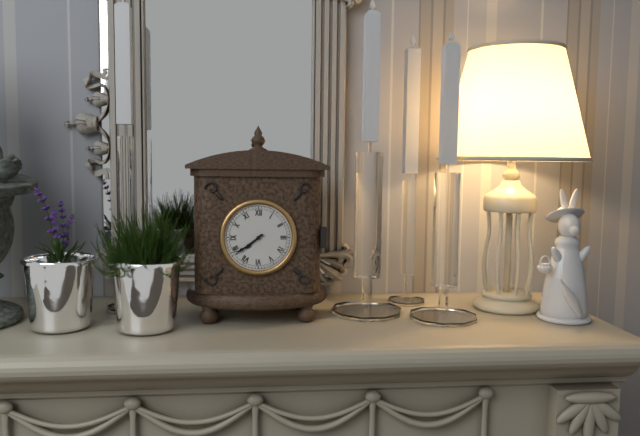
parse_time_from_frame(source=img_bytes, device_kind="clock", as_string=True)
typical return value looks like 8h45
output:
7h39
